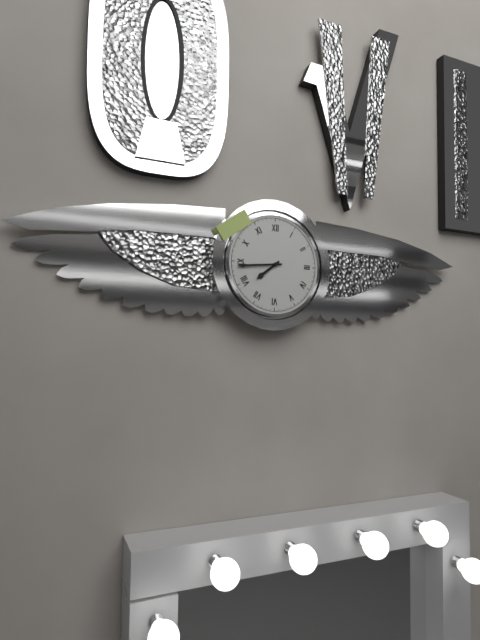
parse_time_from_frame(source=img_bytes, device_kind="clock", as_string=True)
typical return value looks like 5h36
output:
7h44
